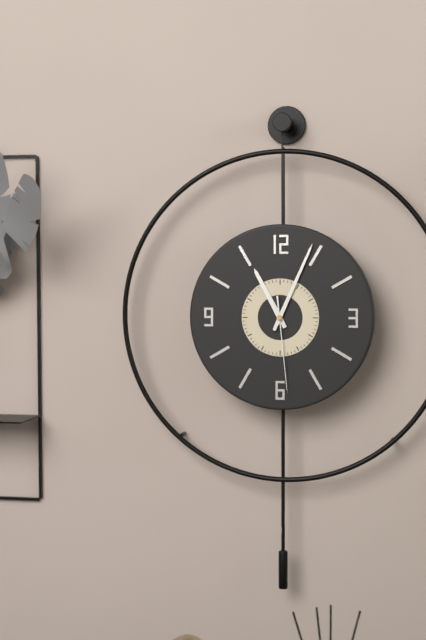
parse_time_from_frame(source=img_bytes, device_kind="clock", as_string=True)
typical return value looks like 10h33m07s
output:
11h04m29s
